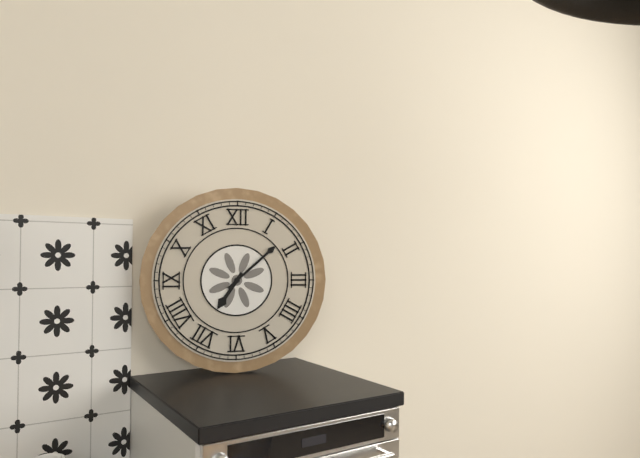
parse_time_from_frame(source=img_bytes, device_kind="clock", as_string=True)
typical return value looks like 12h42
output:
7h08
